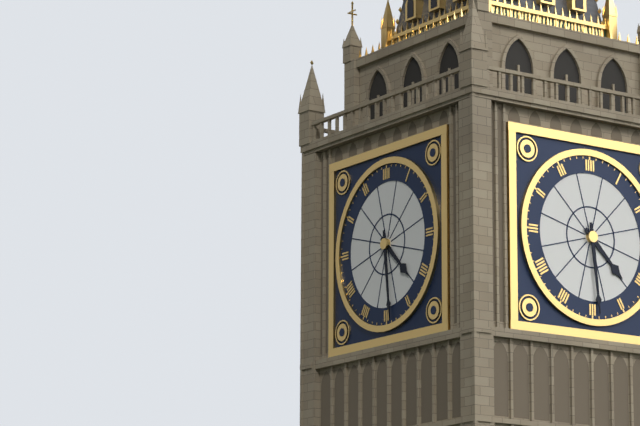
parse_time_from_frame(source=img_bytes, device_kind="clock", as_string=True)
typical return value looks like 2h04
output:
4h29
